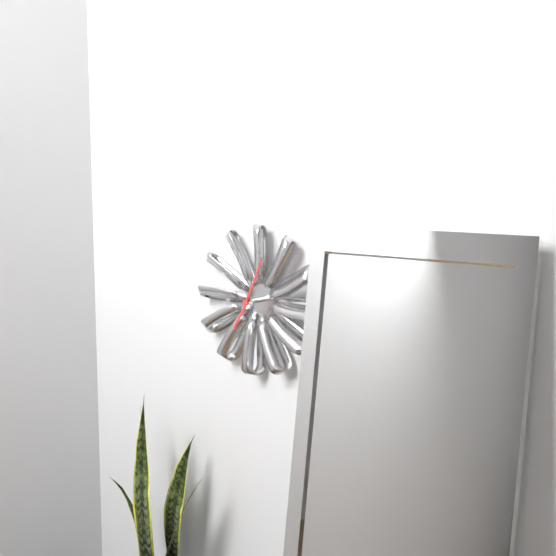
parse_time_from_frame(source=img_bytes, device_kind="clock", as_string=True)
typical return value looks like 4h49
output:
7h04
